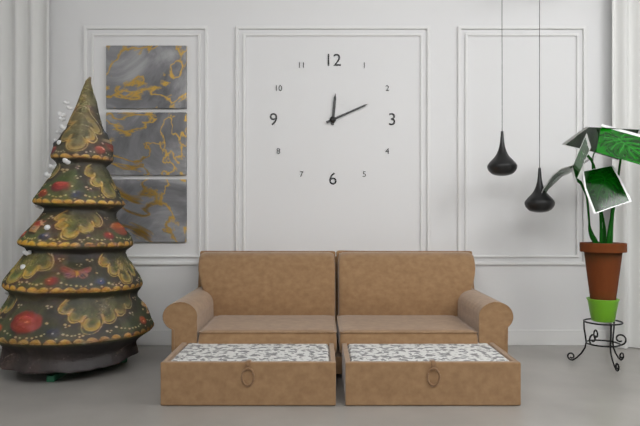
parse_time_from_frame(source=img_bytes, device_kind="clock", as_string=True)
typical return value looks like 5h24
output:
12h11
